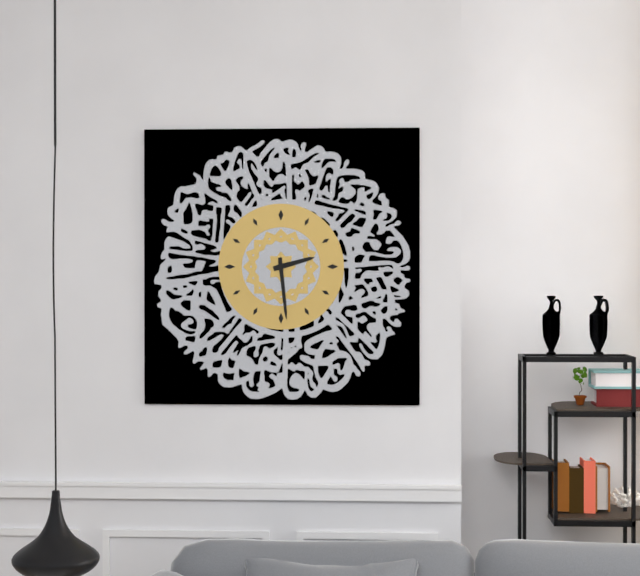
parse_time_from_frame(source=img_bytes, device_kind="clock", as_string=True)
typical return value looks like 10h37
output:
2h29
